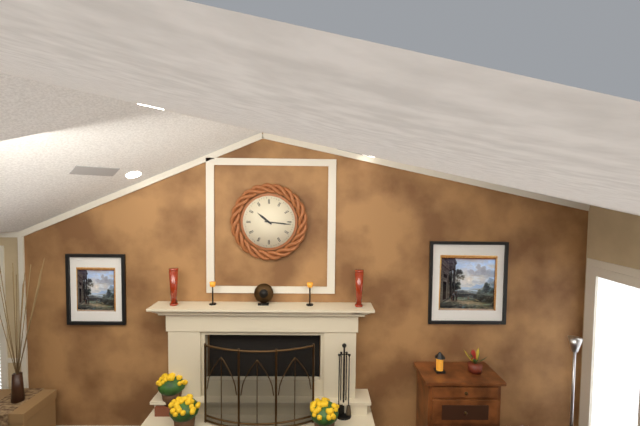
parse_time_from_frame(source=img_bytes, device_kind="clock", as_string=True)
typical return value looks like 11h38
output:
10h16
